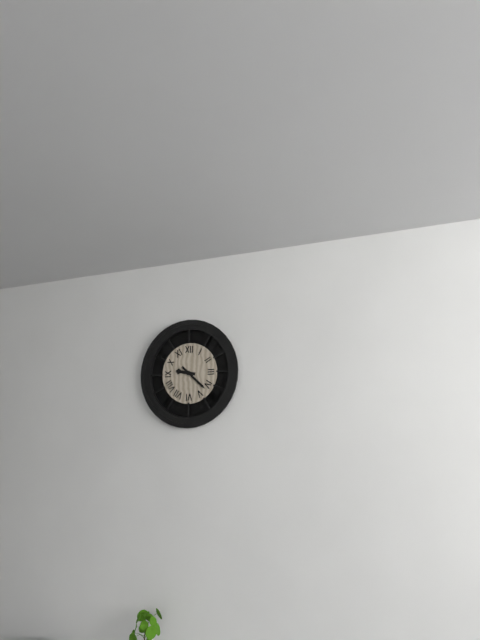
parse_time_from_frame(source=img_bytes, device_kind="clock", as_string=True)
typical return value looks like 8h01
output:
9h22
